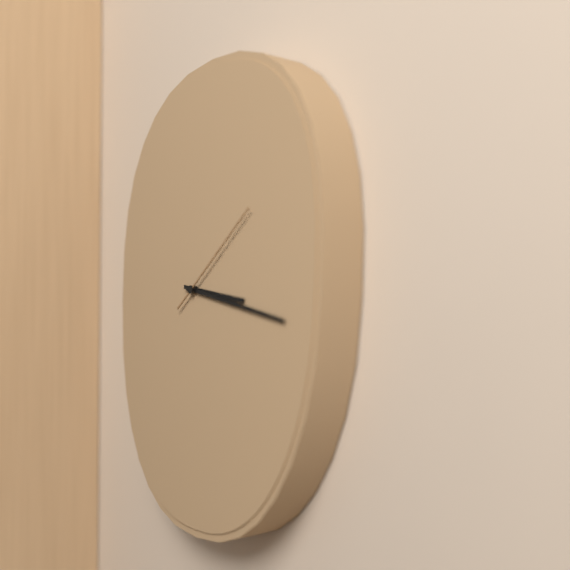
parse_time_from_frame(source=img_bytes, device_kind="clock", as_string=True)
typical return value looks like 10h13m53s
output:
3h17m09s
